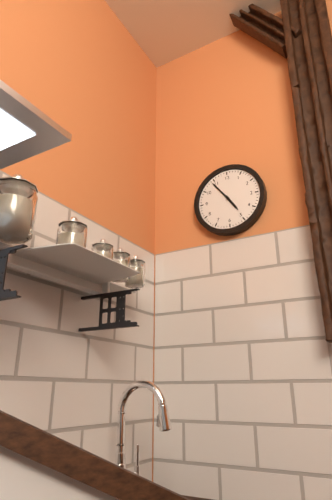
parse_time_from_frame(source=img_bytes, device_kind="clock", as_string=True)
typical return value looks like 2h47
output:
4h54
